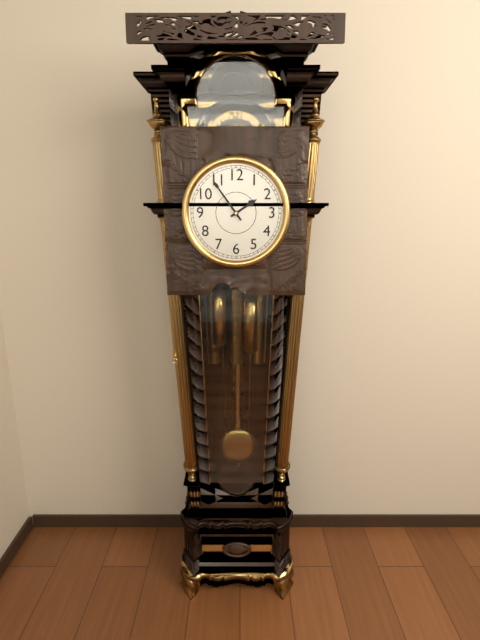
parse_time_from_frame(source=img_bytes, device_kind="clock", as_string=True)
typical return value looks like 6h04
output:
1h54
